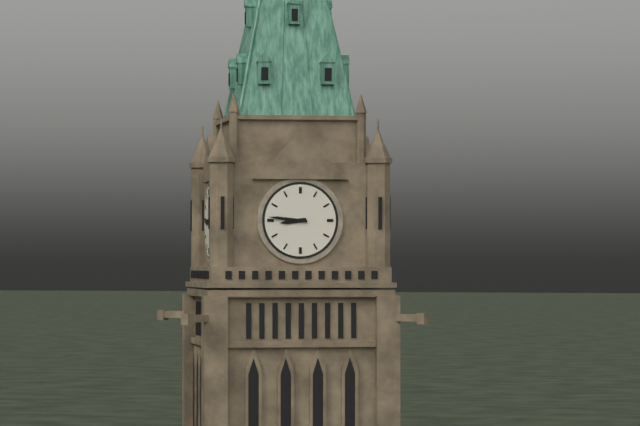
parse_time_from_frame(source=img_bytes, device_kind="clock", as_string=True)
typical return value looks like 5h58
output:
8h46
